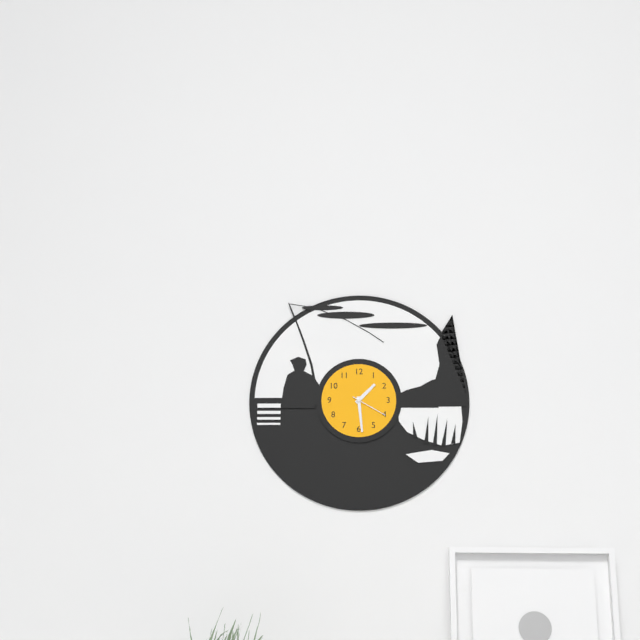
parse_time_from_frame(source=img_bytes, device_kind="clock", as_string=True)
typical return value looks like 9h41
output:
1h29
